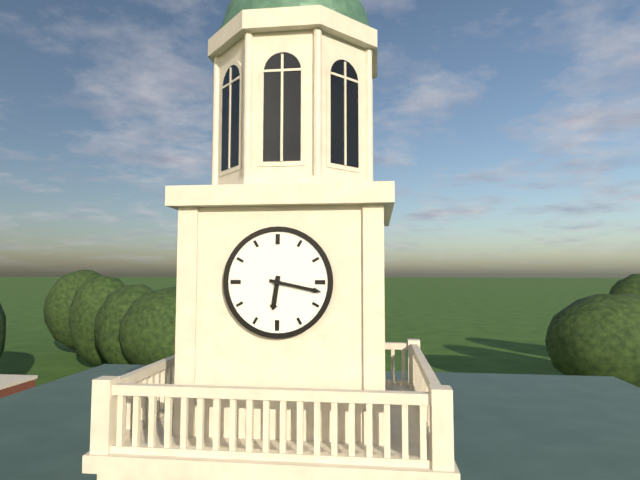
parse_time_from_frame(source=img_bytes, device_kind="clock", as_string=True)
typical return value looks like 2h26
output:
6h17
